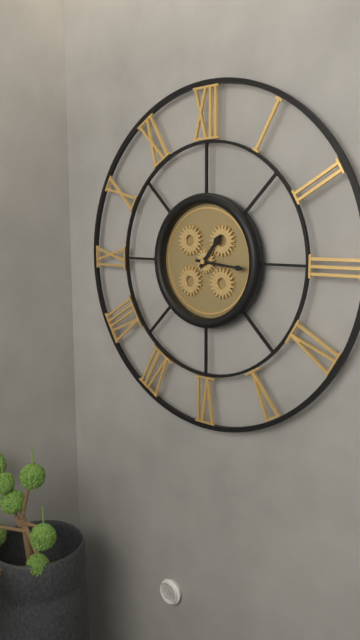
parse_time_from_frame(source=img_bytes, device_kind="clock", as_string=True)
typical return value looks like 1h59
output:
1h16
